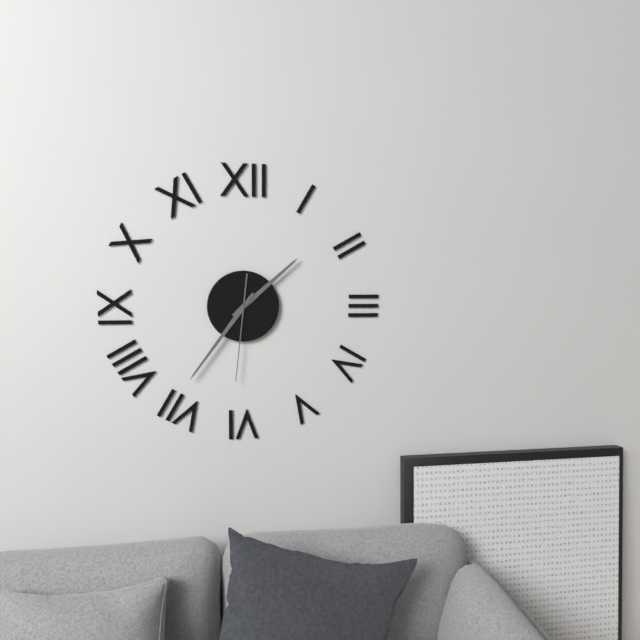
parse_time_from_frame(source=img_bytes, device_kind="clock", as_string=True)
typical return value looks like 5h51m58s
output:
1h36m31s
